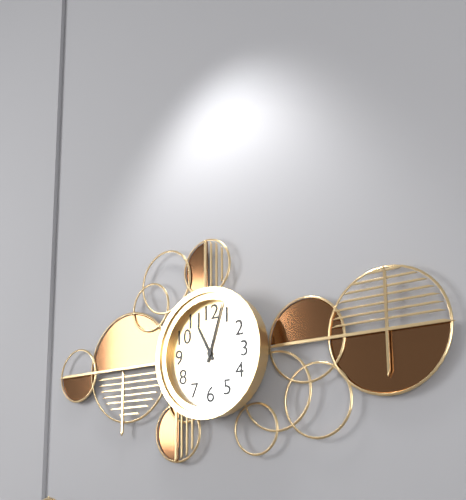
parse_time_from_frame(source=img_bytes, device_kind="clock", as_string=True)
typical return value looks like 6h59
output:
11h03
